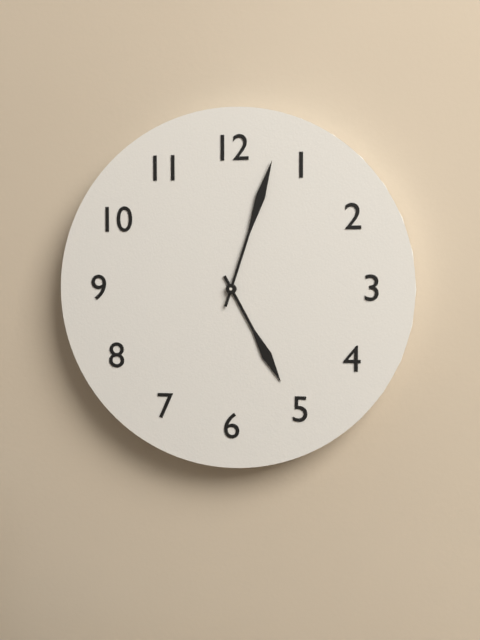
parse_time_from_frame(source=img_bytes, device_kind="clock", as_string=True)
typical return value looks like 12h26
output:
5h03
